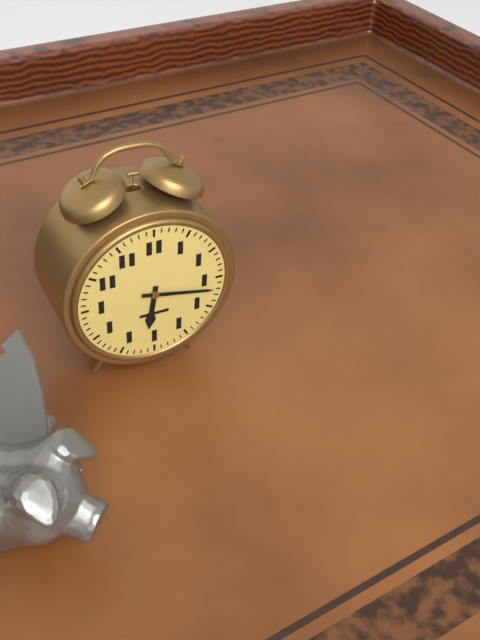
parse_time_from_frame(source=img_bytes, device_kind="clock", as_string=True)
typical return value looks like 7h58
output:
6h17
